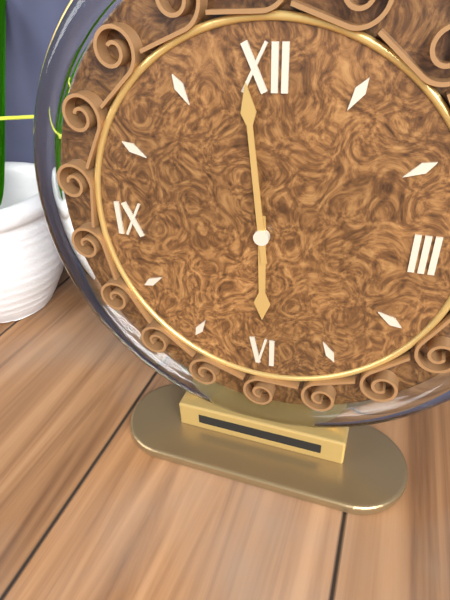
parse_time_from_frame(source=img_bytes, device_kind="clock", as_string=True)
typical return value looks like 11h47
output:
5h59
